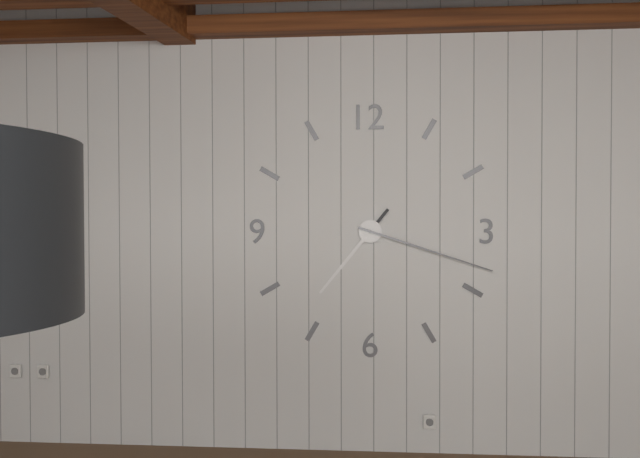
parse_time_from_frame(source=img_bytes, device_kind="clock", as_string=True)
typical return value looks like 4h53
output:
7h18
